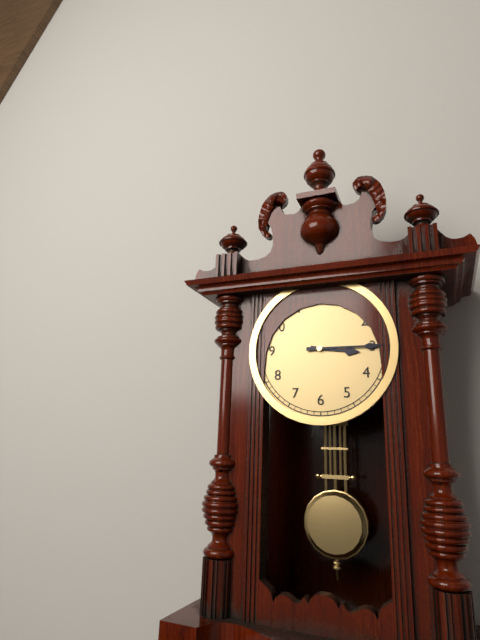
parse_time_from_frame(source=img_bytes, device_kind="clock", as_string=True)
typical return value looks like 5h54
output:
3h15
